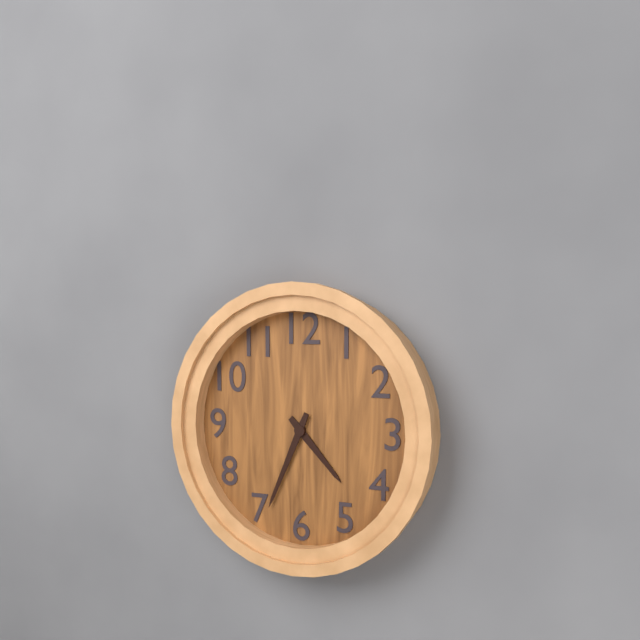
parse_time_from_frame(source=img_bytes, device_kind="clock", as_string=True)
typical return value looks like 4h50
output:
4h34
